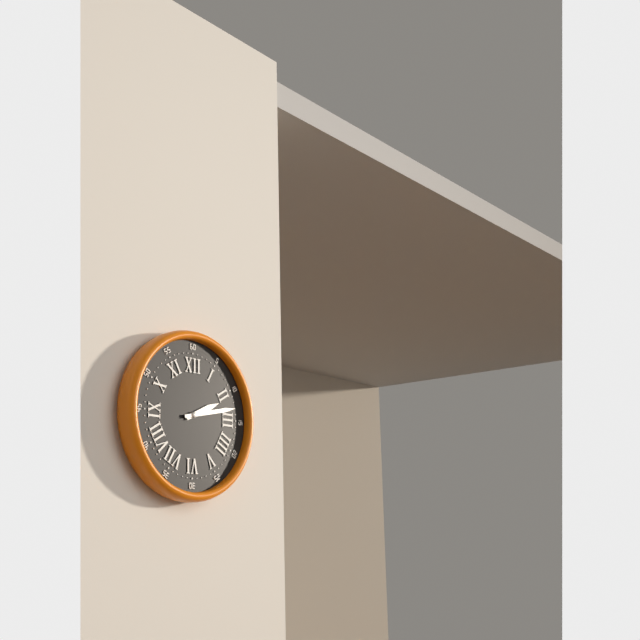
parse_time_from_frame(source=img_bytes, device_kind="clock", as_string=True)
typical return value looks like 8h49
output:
2h13
